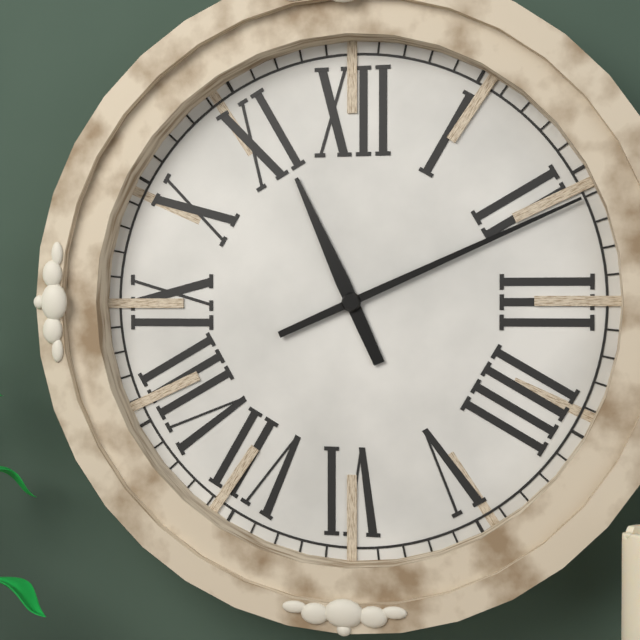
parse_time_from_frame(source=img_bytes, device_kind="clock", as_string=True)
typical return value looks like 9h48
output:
11h11
